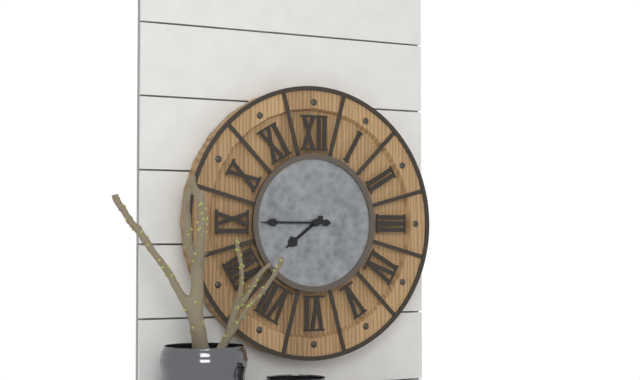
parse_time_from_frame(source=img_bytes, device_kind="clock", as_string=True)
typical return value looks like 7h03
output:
7h45
